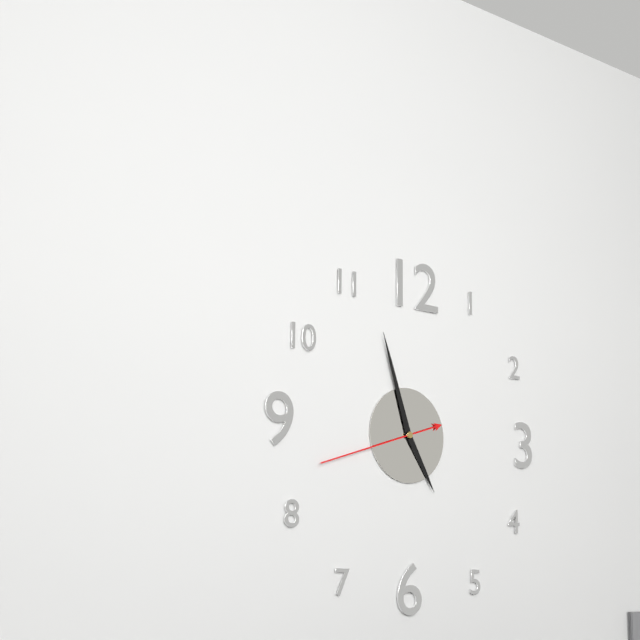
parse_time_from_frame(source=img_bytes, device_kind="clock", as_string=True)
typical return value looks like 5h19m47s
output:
4h57m42s
